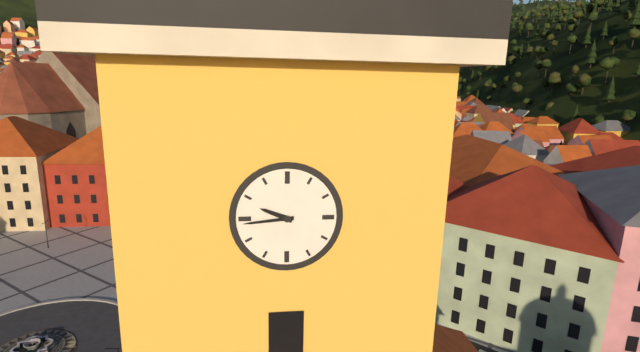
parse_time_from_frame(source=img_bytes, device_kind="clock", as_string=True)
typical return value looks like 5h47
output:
9h44
